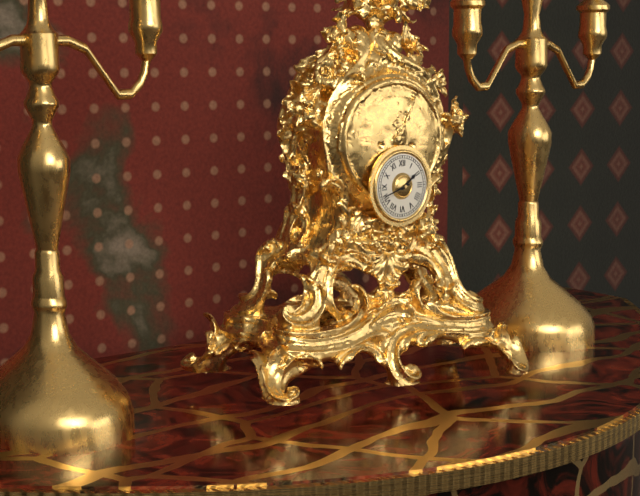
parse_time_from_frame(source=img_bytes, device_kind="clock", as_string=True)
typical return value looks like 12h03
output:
1h42
